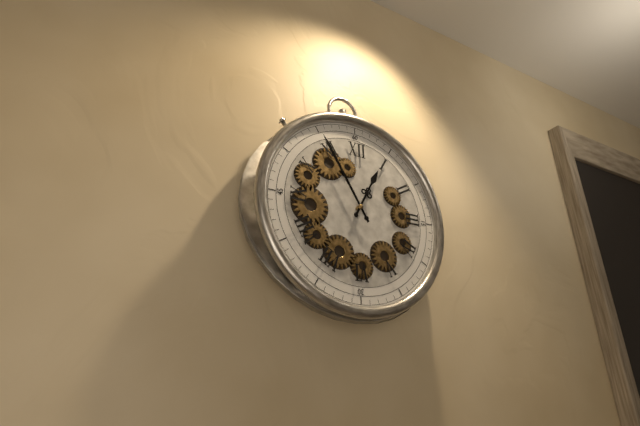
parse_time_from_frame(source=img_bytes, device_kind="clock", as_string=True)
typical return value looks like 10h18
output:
12h55
